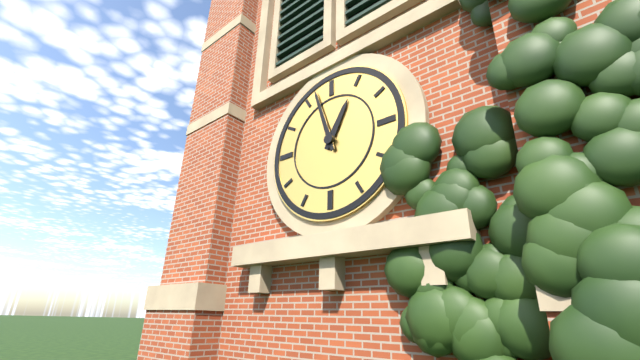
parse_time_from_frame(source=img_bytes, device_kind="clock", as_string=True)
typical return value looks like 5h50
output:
12h57
